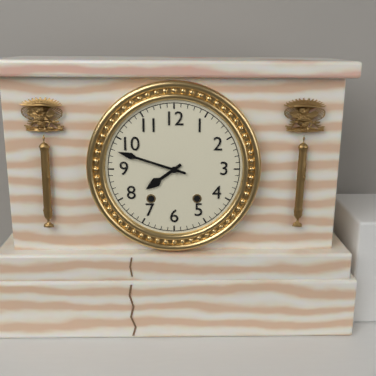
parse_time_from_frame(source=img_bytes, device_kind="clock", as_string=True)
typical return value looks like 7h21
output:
7h48
